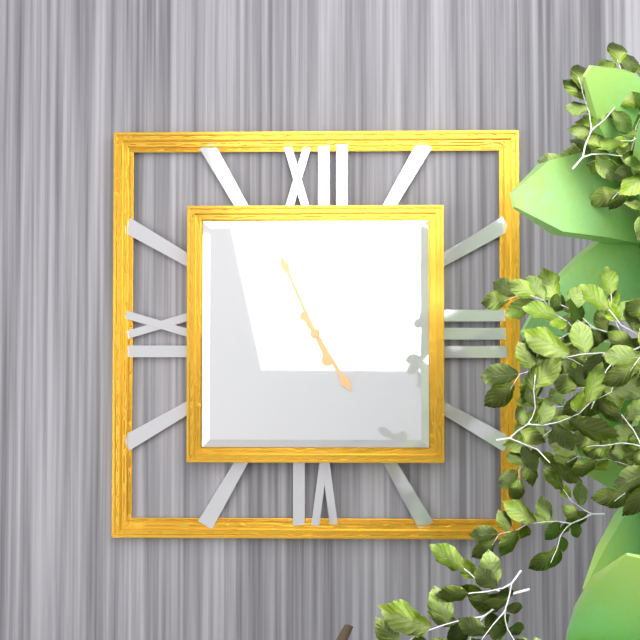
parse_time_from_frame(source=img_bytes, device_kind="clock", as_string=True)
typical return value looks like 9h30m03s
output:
4h56m22s
